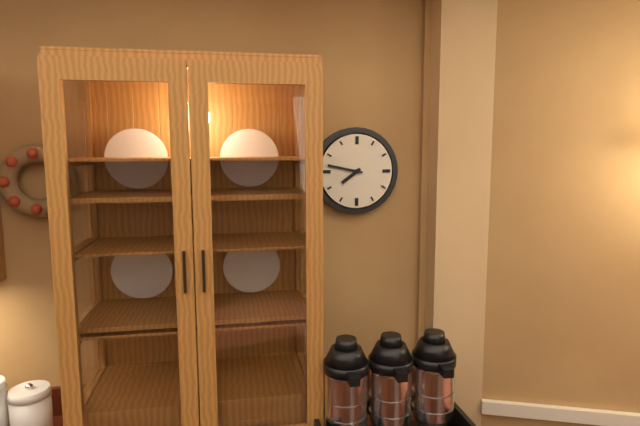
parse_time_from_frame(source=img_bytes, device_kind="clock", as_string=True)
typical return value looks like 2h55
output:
7h47
